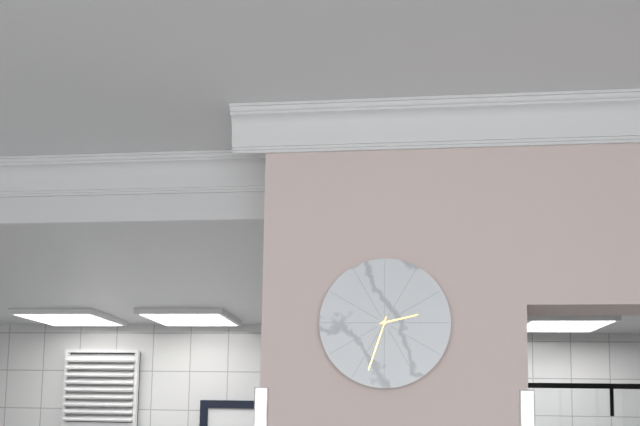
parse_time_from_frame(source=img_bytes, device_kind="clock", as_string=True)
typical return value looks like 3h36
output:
2h33
